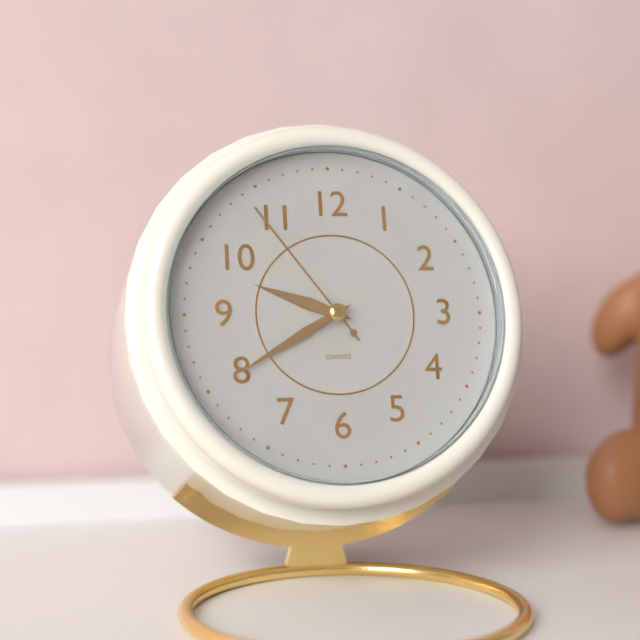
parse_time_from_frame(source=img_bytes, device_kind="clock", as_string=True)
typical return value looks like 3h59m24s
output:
9h40m54s
